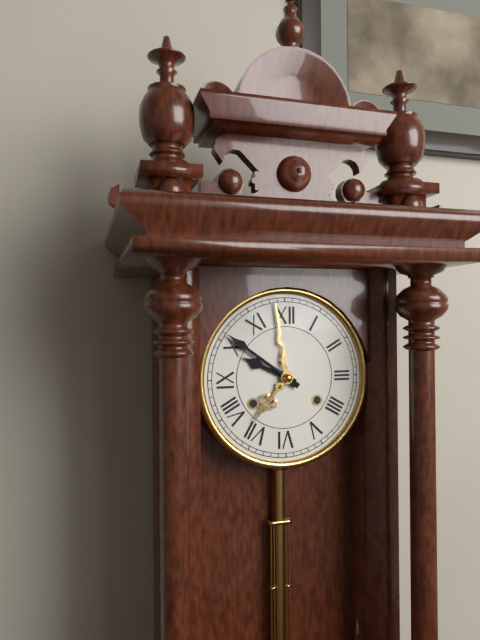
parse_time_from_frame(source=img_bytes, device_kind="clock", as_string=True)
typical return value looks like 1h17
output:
9h51
